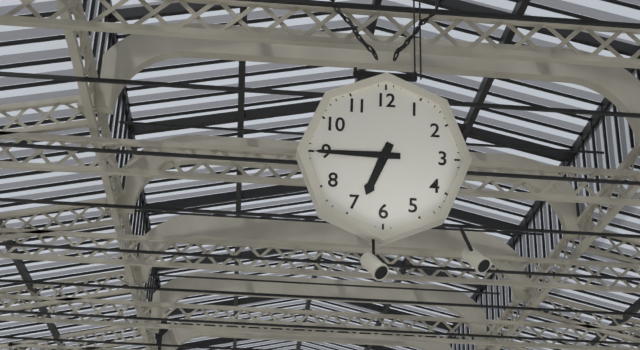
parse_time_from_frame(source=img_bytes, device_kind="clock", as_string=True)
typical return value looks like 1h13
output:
6h45
